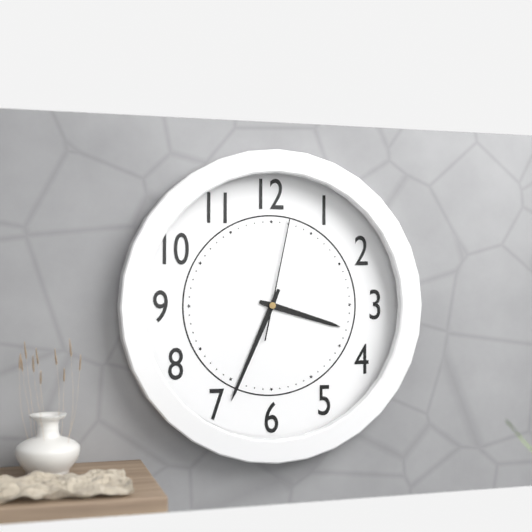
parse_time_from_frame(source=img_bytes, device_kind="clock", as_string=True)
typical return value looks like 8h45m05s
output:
3h34m02s
